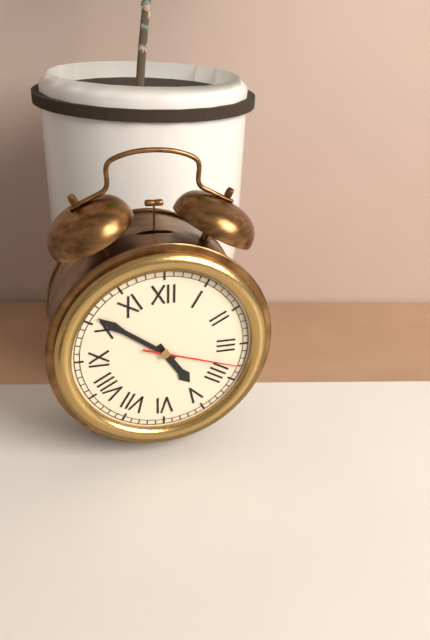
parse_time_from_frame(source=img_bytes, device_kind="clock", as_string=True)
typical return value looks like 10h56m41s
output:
4h51m18s
